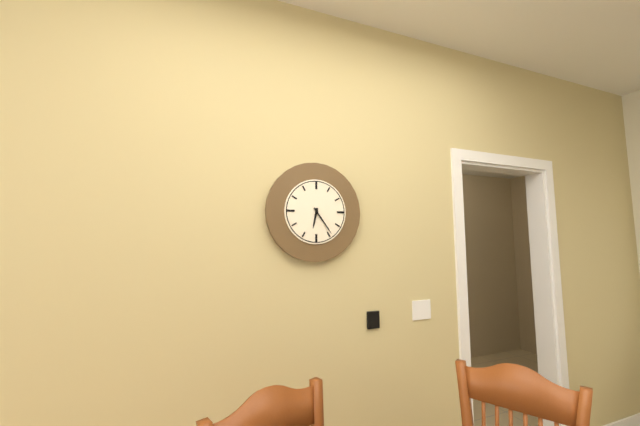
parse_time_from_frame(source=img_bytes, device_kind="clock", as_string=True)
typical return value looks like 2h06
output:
6h24
